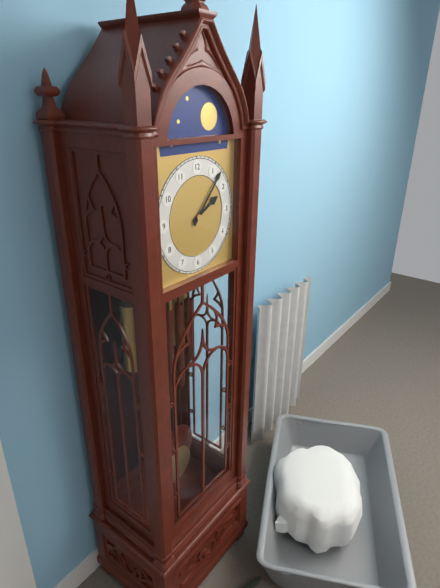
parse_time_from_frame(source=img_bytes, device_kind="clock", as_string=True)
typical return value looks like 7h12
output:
2h07
